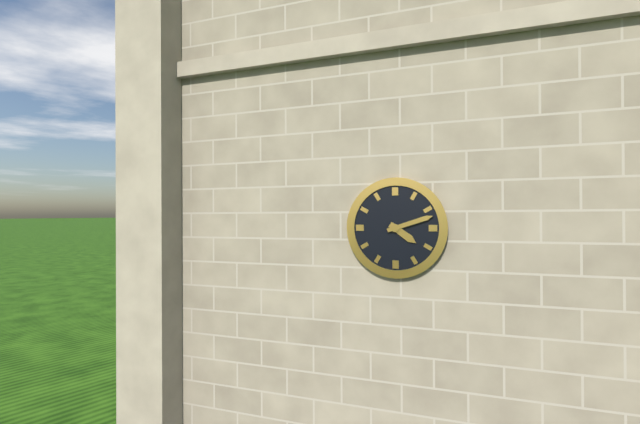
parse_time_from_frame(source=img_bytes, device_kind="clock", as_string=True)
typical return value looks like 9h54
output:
4h12
